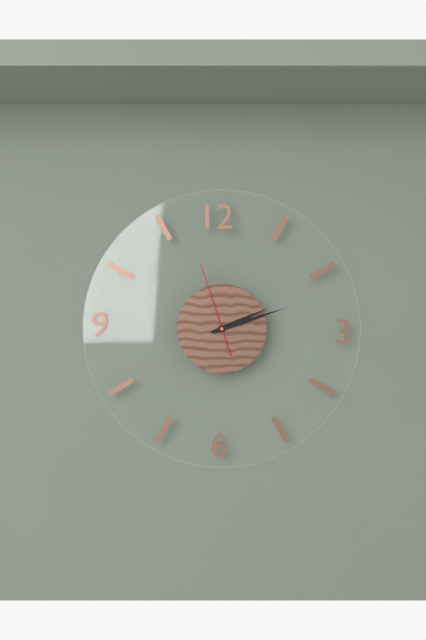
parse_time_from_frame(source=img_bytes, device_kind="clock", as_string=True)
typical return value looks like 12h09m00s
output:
2h12m57s
